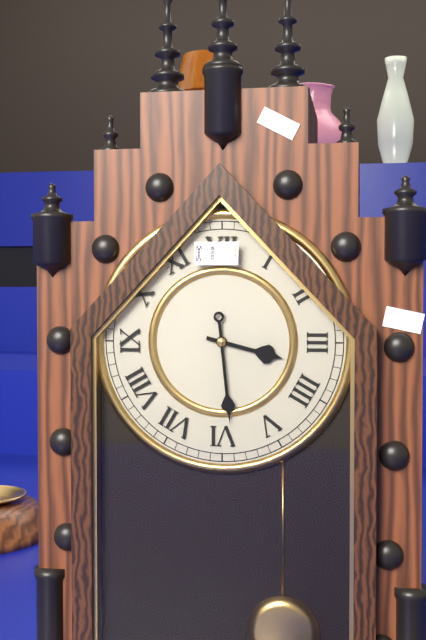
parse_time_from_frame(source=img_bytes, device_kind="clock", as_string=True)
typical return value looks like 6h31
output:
3h29
